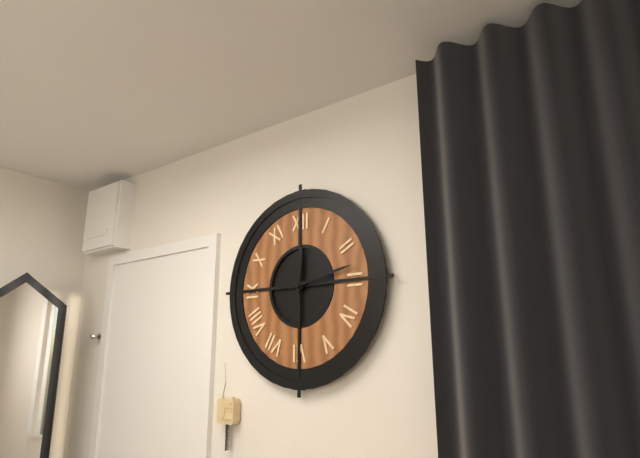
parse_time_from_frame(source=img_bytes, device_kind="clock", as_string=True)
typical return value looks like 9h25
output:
12h13
